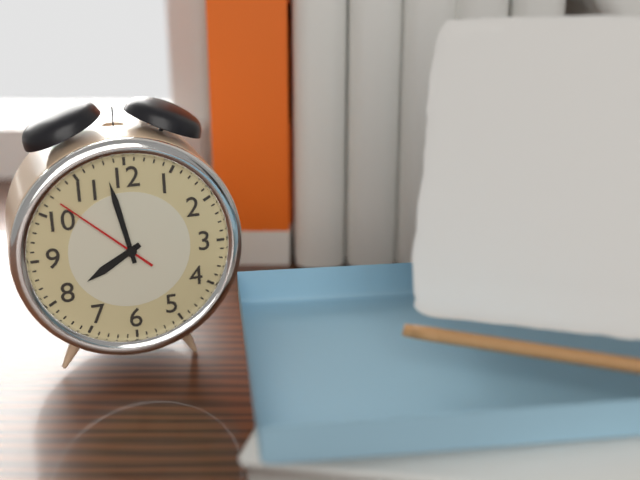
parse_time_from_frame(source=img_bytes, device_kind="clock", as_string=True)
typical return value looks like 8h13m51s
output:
7h58m52s
